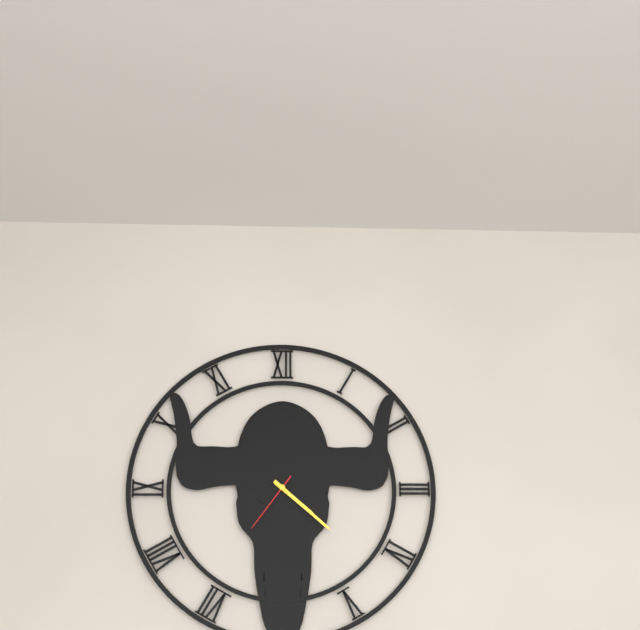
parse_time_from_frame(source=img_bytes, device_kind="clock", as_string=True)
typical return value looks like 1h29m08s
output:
4h22m36s
